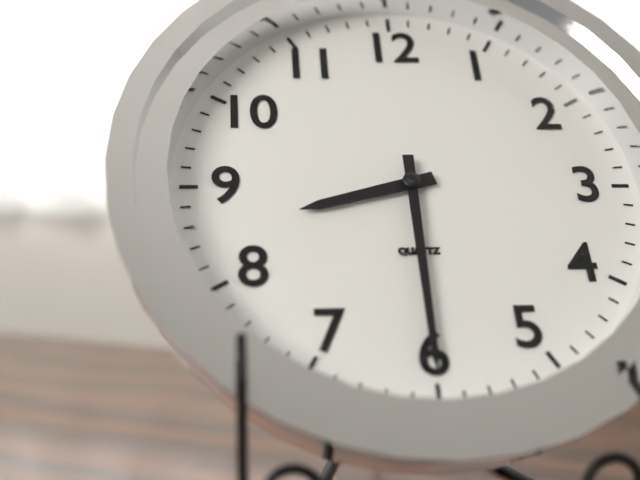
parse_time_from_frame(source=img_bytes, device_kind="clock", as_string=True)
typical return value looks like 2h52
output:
8h30
